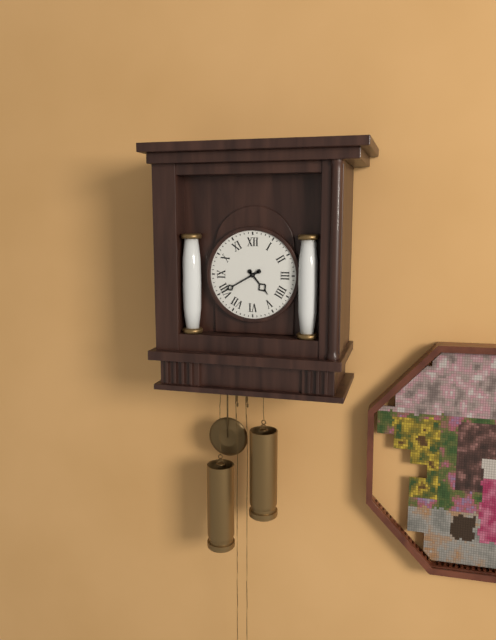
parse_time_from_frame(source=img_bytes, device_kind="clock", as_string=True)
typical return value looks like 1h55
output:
4h40
